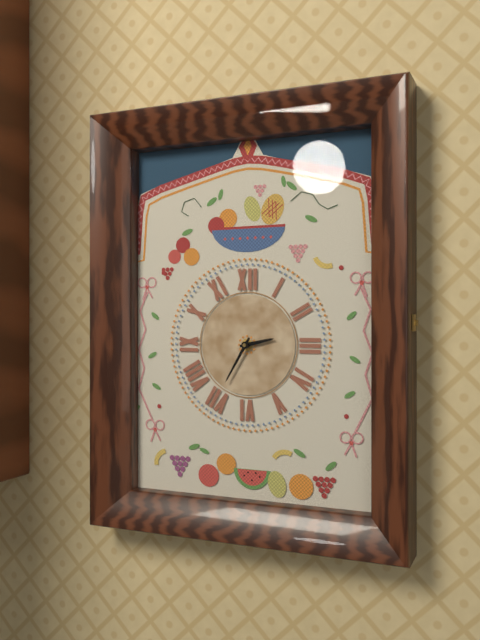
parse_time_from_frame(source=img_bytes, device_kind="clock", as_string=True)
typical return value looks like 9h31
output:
2h35
